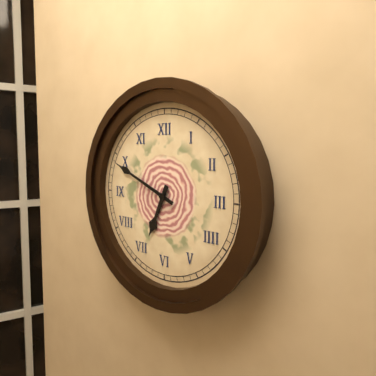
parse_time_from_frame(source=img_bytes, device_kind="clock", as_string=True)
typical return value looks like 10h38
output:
6h49
